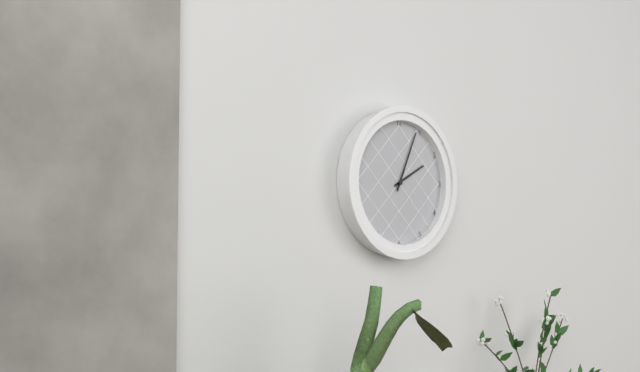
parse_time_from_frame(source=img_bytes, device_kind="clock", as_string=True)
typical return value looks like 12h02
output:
2h04
